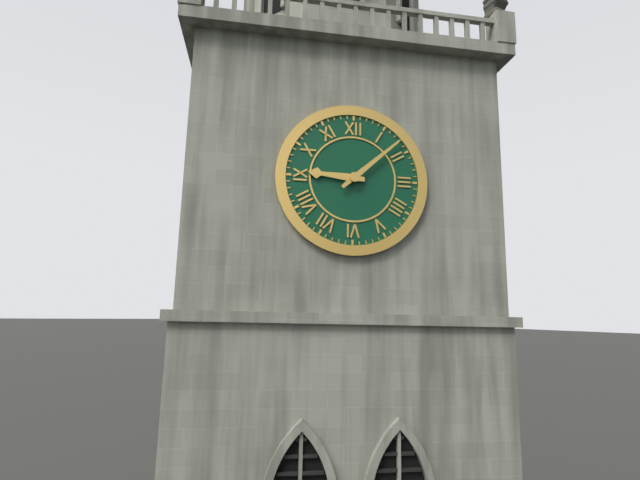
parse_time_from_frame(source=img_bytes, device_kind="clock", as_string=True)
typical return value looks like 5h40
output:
9h08
